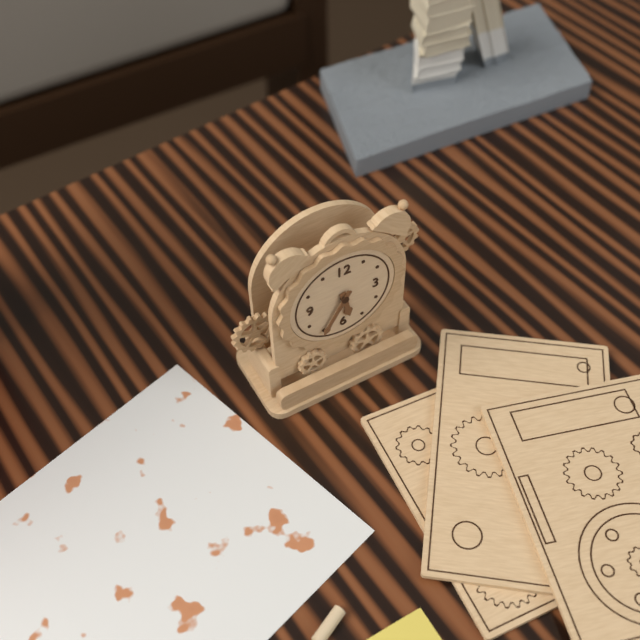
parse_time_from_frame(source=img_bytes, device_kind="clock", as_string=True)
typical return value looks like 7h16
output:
5h35
